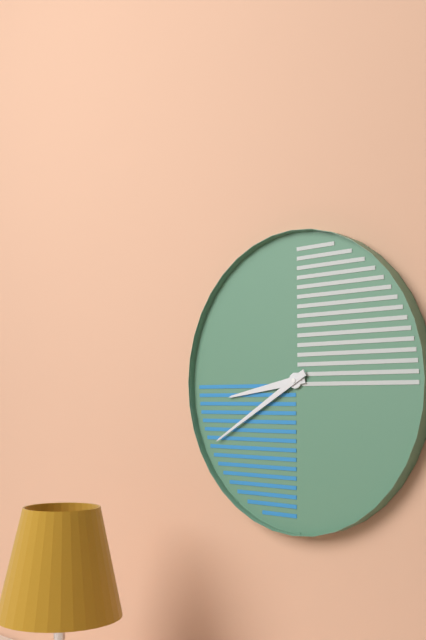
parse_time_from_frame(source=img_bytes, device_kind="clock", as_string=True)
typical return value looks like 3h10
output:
8h40
